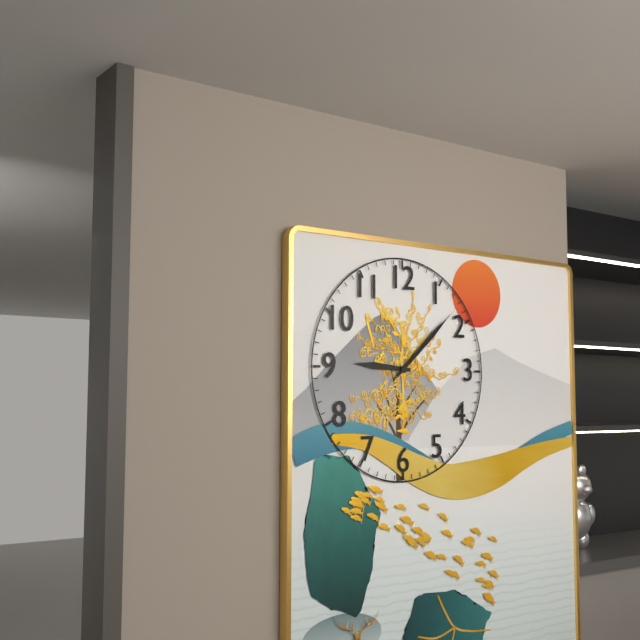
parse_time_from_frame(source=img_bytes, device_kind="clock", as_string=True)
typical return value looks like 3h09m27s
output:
9h08m08s
